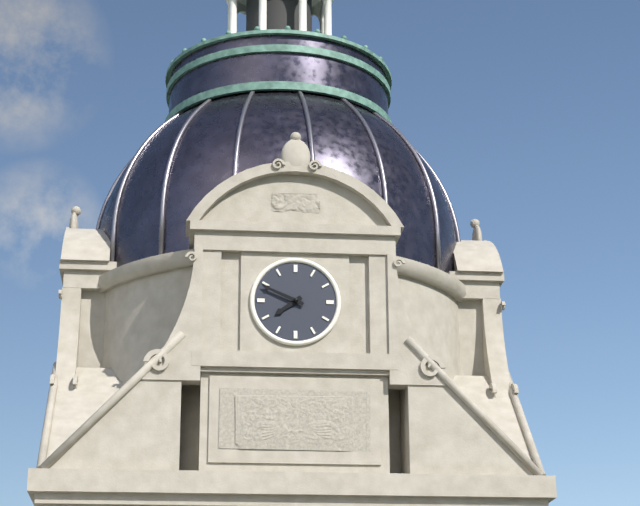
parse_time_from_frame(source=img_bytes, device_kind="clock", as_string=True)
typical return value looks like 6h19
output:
7h49
